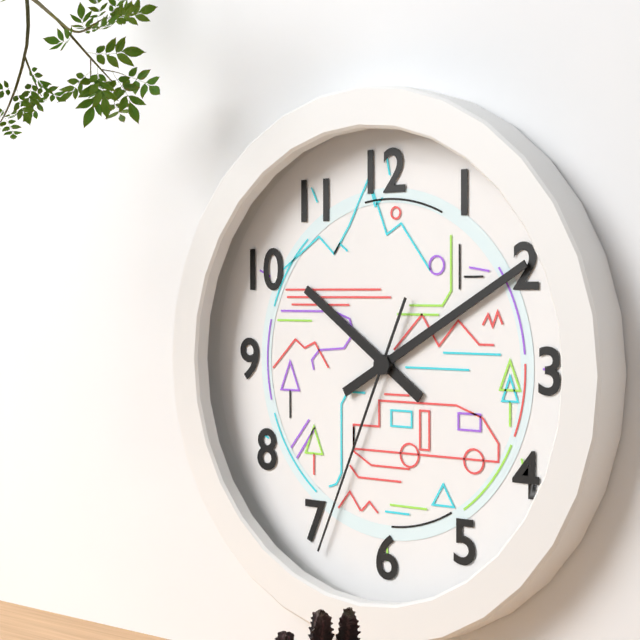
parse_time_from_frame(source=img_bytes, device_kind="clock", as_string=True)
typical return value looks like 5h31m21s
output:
10h10m34s
